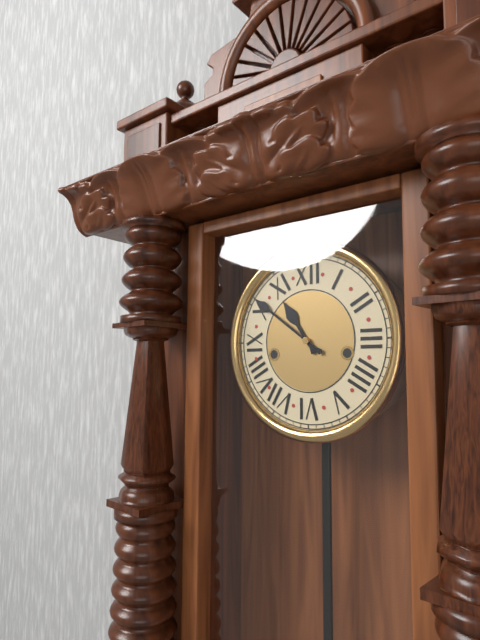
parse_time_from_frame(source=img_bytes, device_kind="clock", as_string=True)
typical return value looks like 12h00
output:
10h51
